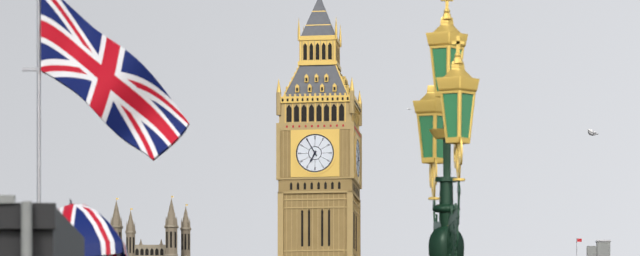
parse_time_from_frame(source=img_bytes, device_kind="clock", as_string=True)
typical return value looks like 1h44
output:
6h55
